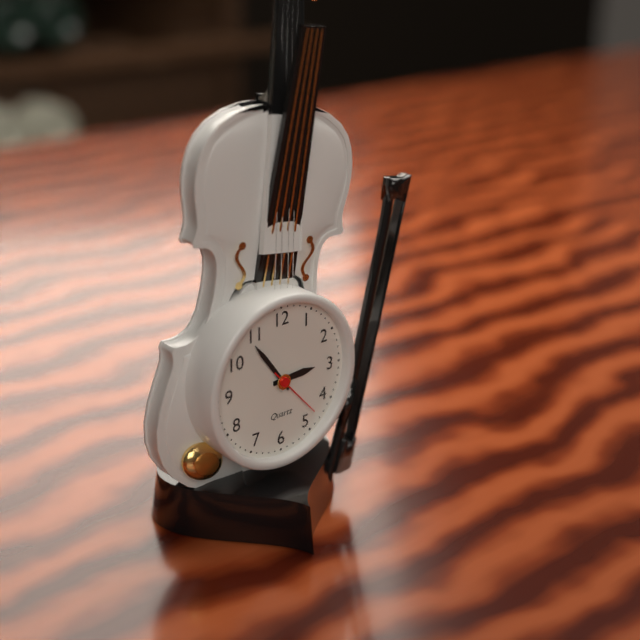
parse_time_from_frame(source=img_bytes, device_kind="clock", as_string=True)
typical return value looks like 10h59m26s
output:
2h54m23s
